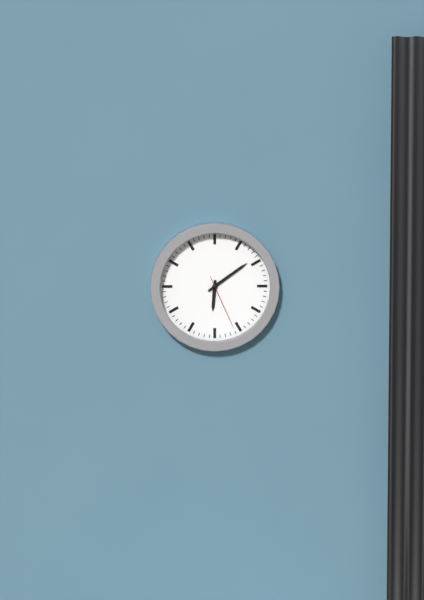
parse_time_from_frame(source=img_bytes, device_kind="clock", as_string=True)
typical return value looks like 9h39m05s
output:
6h09m26s
